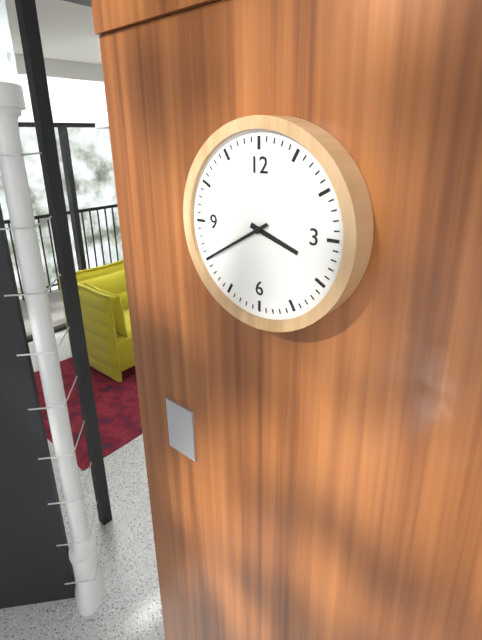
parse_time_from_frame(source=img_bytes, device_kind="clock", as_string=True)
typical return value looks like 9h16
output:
3h40
